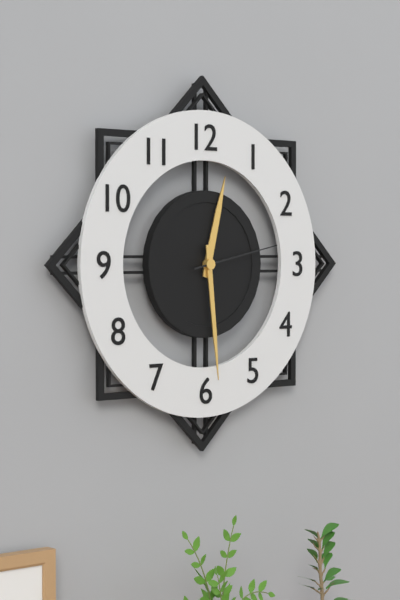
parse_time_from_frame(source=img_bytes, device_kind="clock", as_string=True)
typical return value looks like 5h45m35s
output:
12h29m13s
